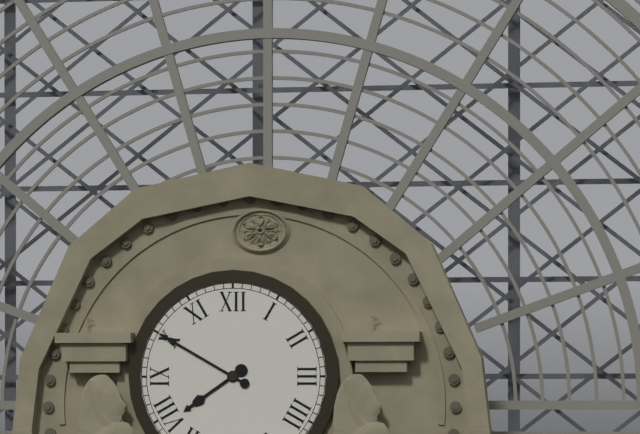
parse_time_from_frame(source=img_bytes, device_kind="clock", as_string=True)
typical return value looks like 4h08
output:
7h50
